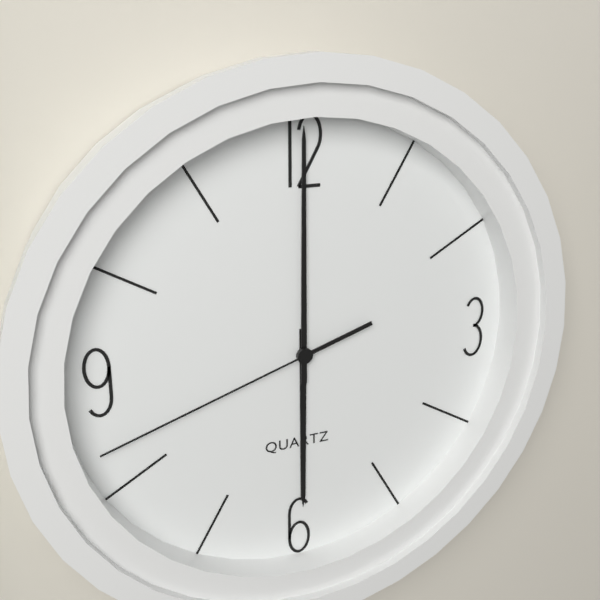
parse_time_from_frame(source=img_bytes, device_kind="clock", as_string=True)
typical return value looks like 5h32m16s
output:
6h00m42s
